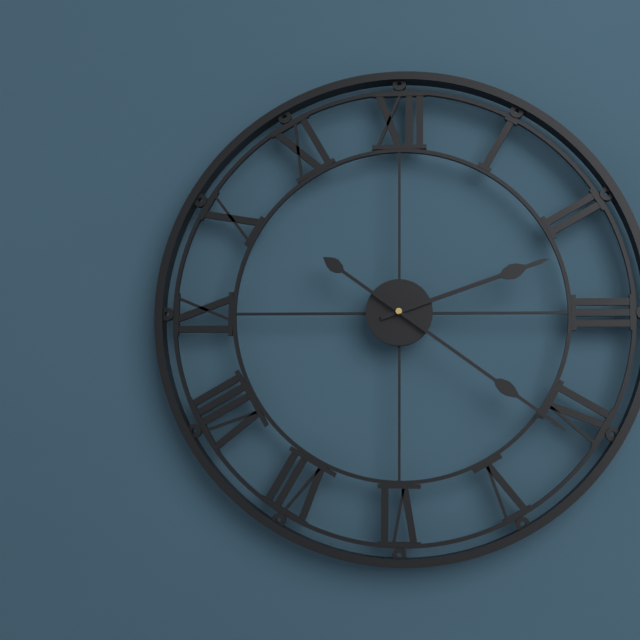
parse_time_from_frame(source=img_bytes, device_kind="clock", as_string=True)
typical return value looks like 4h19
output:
2h21
